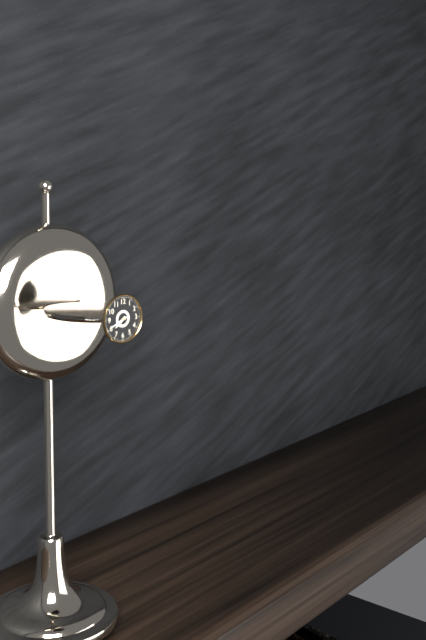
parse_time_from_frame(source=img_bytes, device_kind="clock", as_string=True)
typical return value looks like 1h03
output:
7h41
